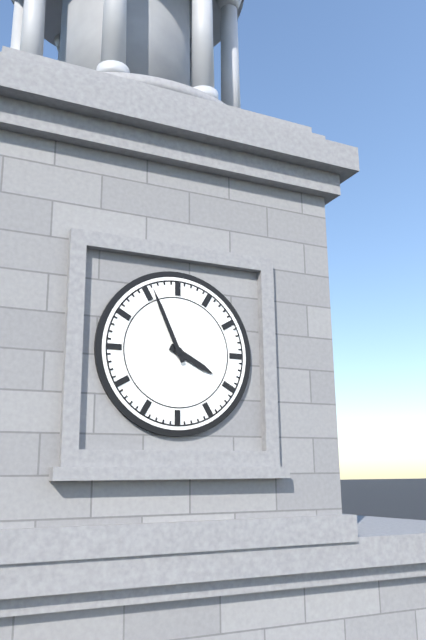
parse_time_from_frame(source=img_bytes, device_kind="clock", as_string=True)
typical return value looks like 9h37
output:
3h56
